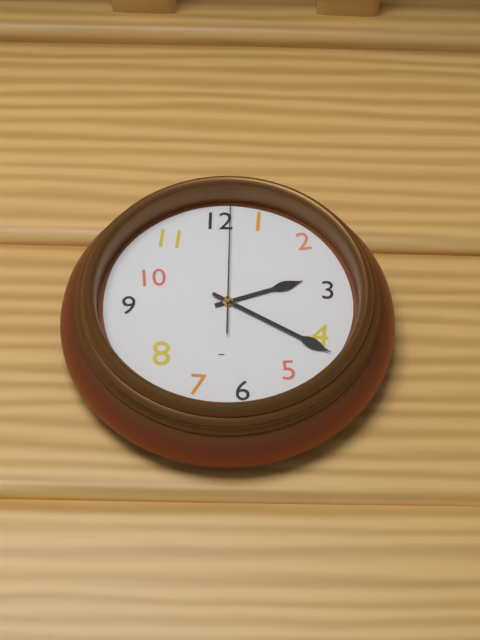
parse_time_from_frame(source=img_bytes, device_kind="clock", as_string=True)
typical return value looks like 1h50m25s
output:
2h20m00s
